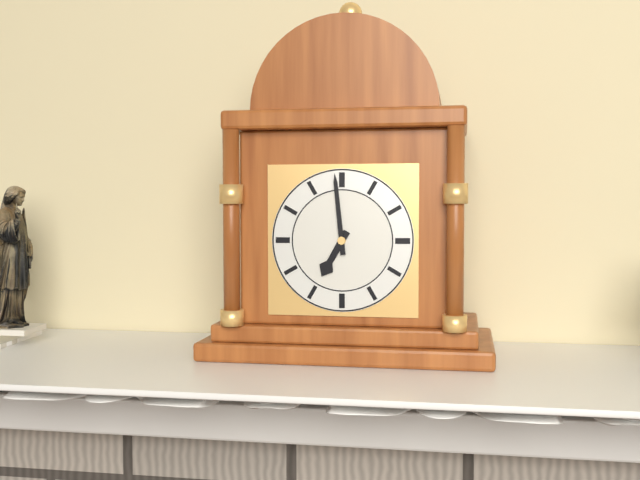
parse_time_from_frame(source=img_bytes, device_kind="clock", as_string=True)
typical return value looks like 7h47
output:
6h59
